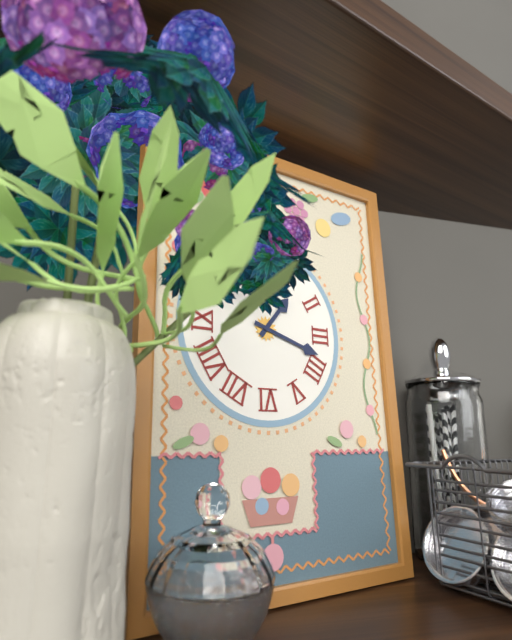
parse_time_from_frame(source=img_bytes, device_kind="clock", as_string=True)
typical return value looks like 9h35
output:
1h18
